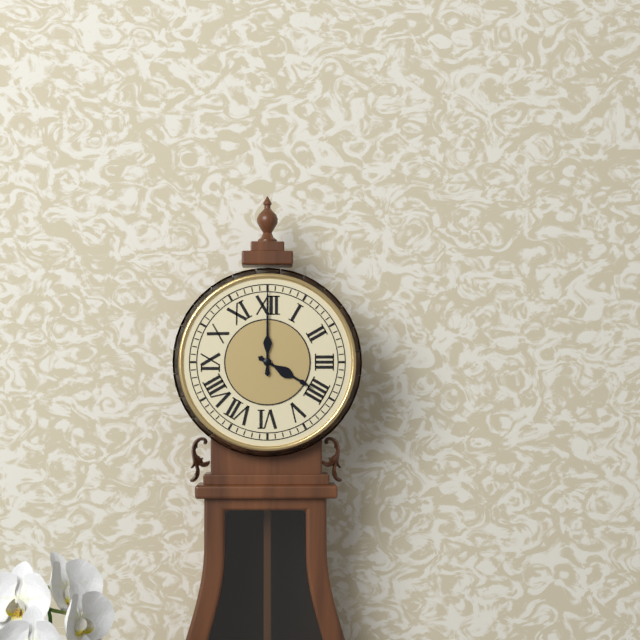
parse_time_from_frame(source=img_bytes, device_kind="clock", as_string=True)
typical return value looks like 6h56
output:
4h00
